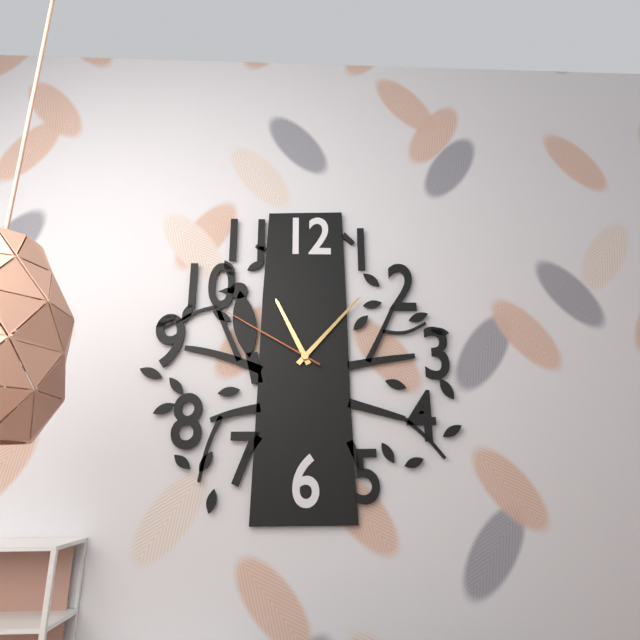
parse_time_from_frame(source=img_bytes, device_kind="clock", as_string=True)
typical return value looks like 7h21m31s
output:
11h07m50s
